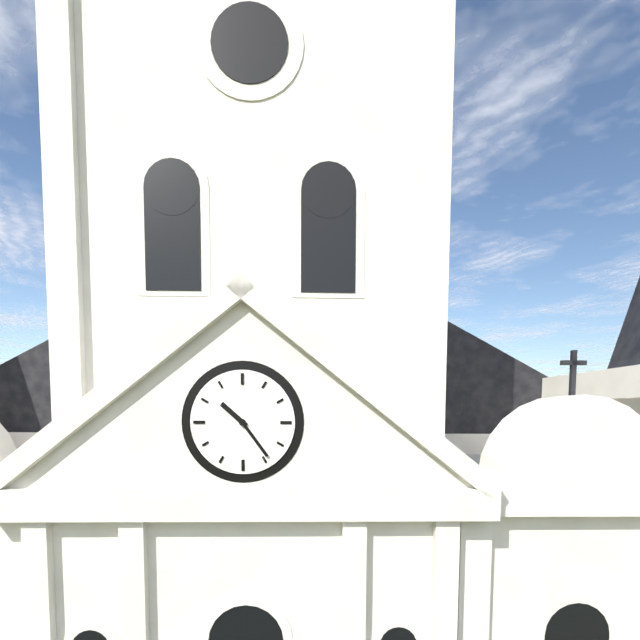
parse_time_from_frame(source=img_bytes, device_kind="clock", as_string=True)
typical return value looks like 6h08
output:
10h24
